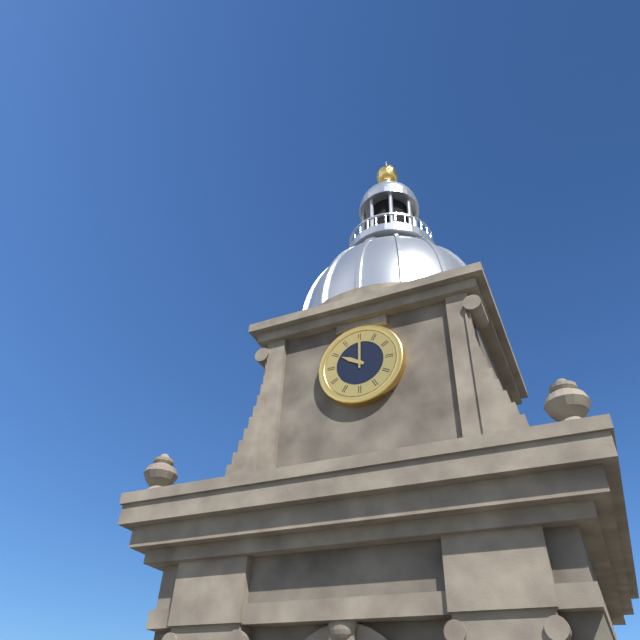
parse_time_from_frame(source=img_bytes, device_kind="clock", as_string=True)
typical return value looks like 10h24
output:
10h00
